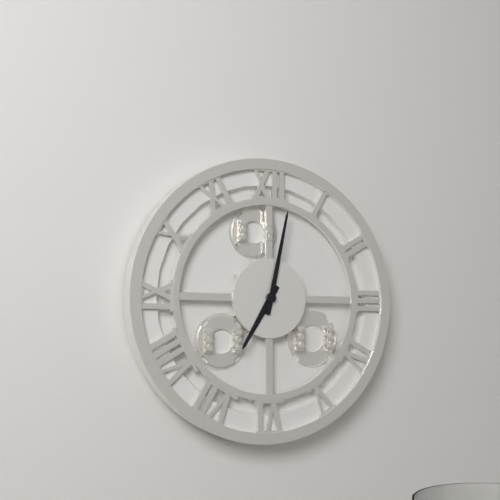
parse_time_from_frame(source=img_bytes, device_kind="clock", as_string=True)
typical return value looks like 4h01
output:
7h02
